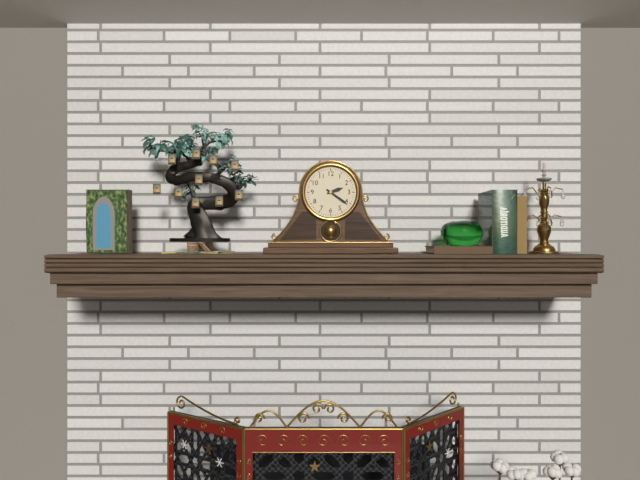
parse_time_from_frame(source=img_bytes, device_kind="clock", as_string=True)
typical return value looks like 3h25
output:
2h21
